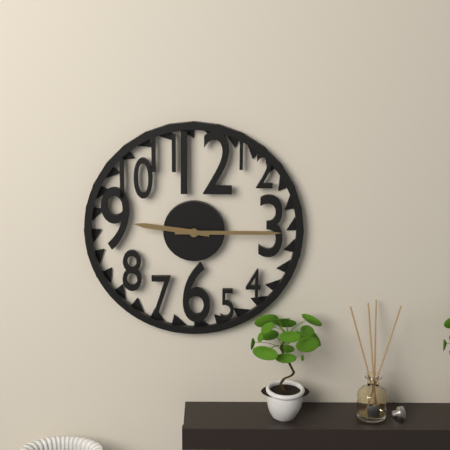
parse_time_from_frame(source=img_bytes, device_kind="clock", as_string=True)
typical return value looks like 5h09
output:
9h15
